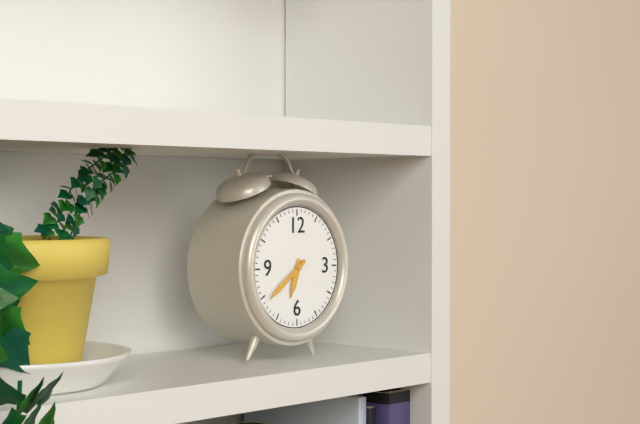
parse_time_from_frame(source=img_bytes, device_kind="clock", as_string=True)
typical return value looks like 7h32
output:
6h39
